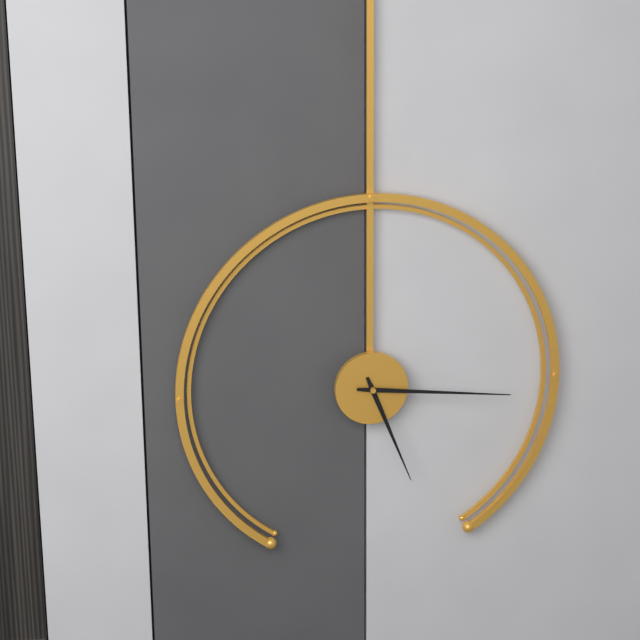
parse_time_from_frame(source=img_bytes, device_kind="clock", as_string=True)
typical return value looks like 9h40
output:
5h16
